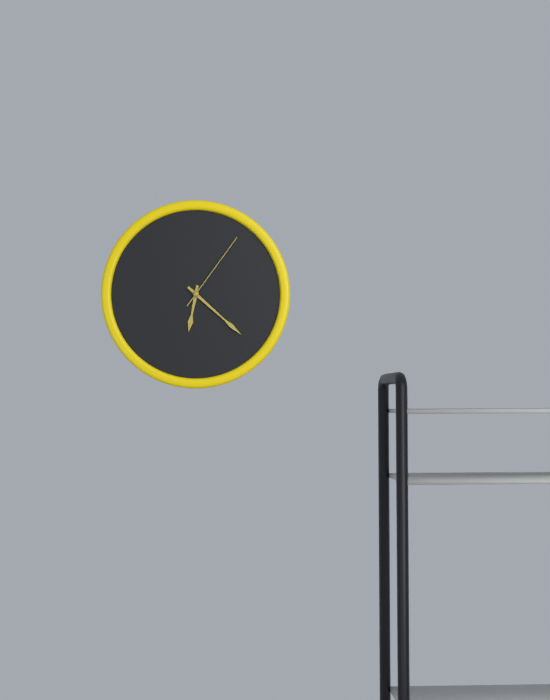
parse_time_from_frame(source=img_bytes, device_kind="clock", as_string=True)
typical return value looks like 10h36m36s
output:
6h22m06s
